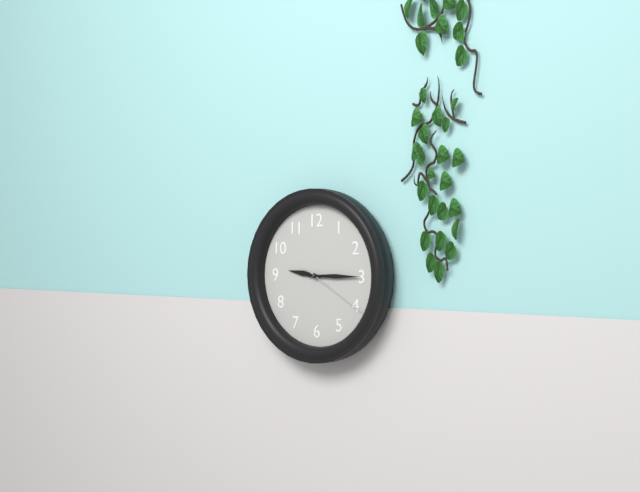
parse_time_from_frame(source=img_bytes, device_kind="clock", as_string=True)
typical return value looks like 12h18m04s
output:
9h15m20s
